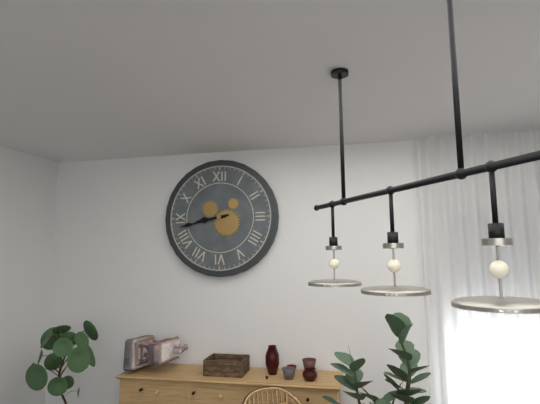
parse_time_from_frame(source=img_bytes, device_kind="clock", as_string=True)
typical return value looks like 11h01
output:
8h43
